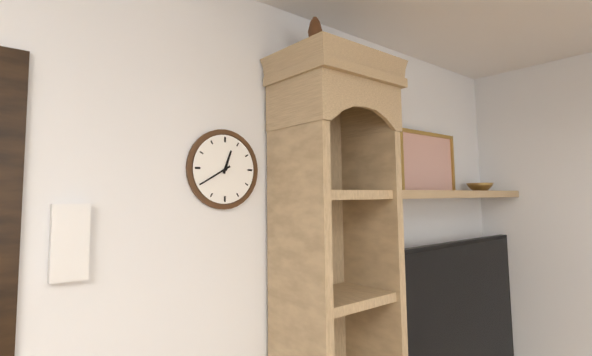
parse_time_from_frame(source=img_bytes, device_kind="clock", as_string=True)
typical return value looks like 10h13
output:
12h40
